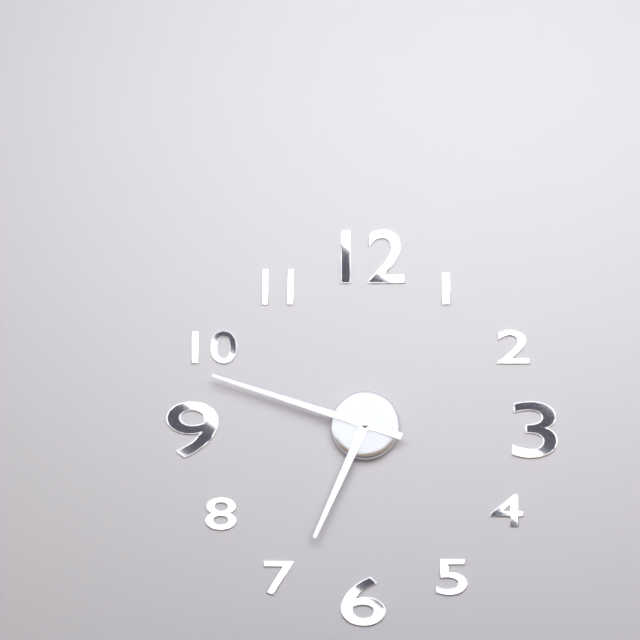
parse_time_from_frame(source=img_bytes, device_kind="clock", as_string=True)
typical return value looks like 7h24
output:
6h48
